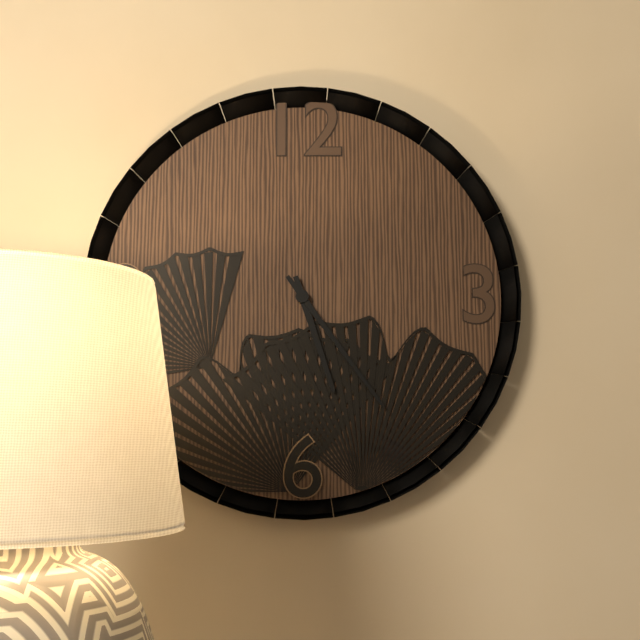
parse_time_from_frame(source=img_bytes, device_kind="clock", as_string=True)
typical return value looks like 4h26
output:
5h24
